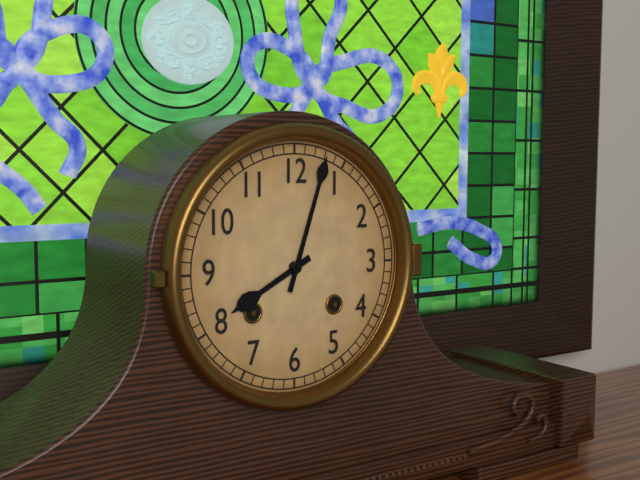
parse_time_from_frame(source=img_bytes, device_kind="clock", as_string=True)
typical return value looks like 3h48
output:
8h03
